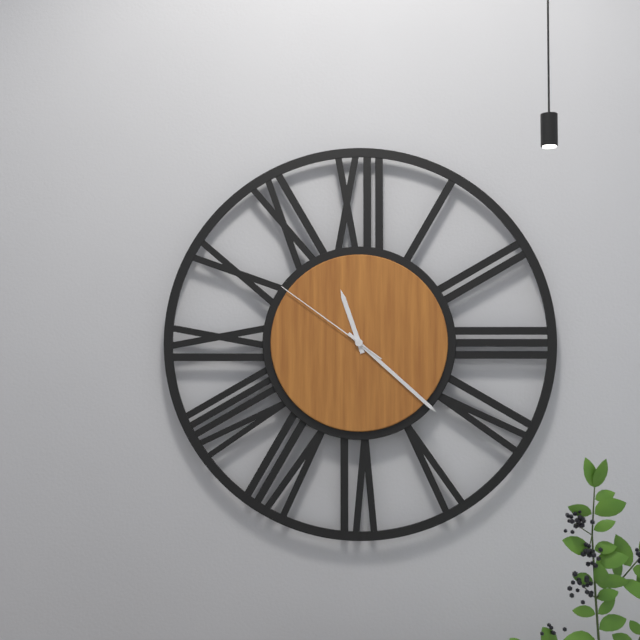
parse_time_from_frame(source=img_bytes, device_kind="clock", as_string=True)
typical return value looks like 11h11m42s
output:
11h22m51s
